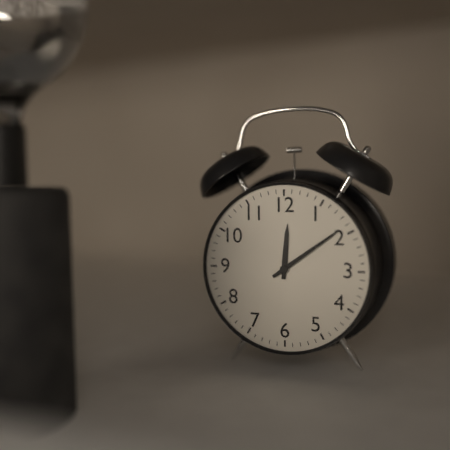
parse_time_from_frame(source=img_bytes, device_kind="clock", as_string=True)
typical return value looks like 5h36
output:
12h09
